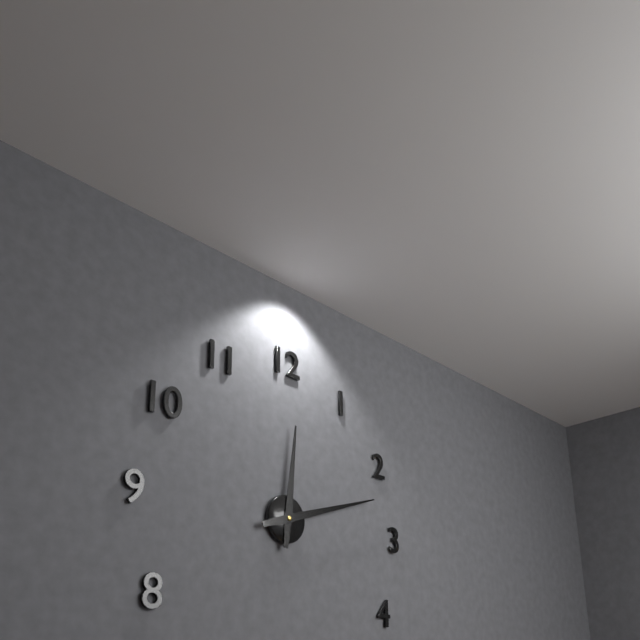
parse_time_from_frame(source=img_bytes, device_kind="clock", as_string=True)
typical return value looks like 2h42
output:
12h12
